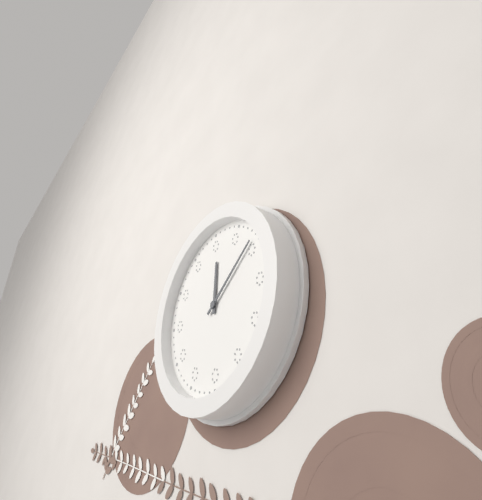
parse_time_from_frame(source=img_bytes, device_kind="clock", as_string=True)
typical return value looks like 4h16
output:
12h09
